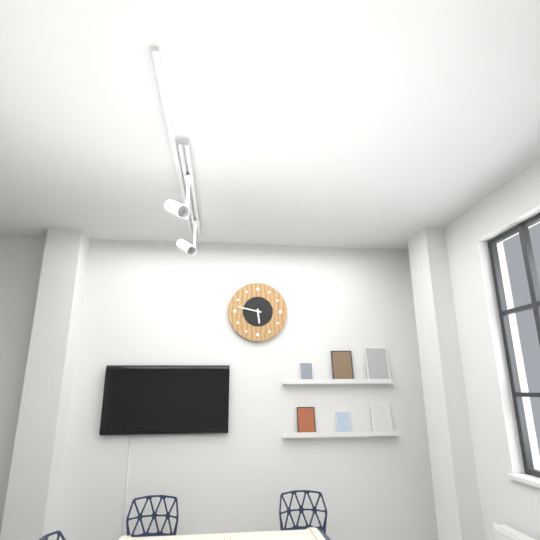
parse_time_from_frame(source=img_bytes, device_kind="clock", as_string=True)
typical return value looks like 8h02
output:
5h47
